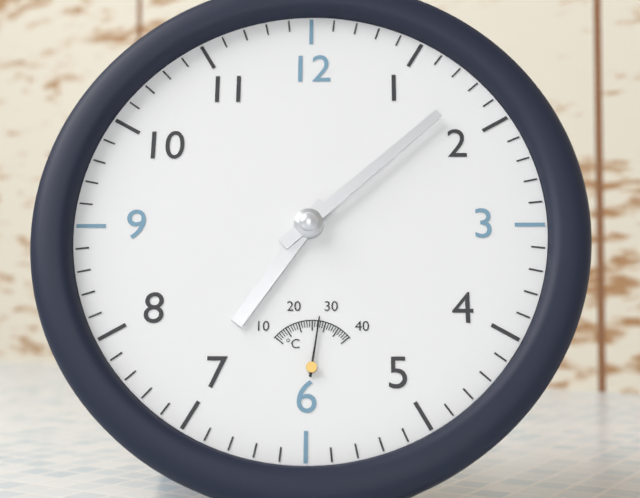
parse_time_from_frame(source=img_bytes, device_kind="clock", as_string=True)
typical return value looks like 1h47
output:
7h08
